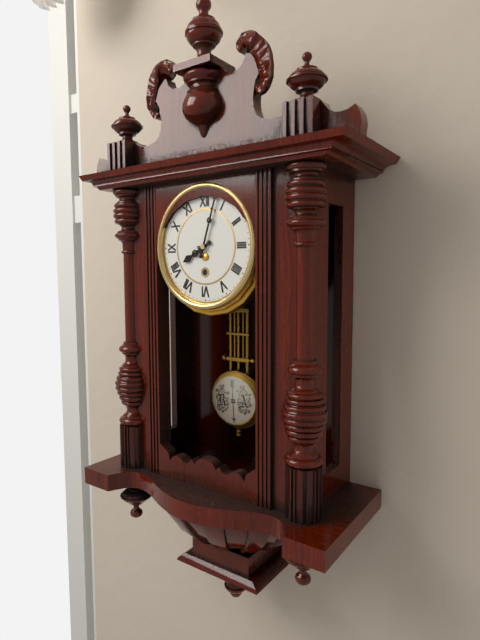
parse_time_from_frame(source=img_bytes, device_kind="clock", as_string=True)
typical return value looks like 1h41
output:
8h03
